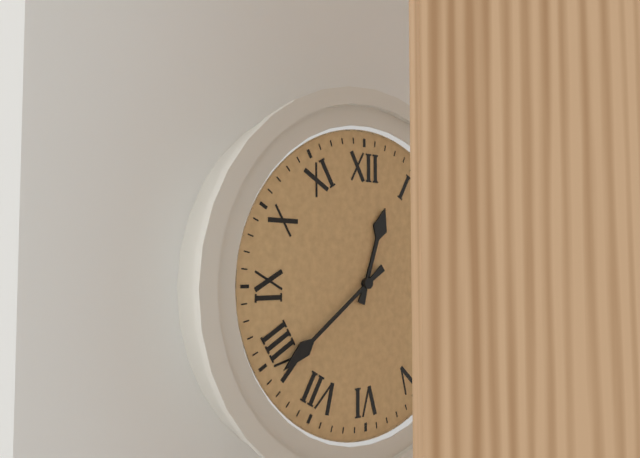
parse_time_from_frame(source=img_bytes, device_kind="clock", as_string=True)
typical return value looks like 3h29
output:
12h39
